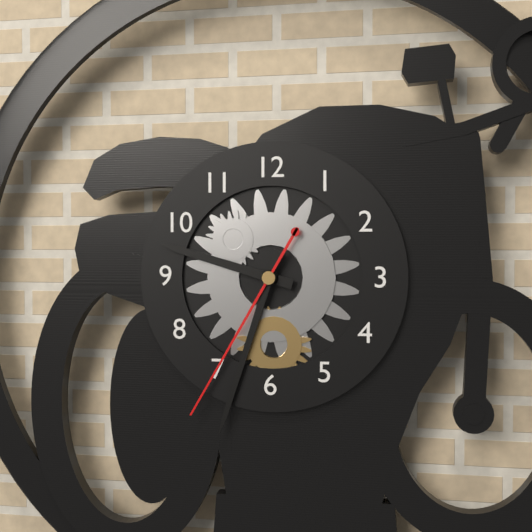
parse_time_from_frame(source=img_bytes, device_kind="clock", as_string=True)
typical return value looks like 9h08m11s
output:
9h33m35s
